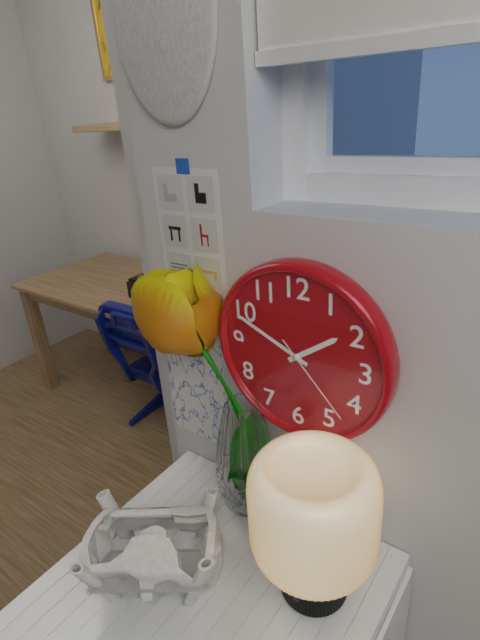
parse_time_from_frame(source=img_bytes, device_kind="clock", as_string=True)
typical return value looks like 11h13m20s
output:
1h49m23s
